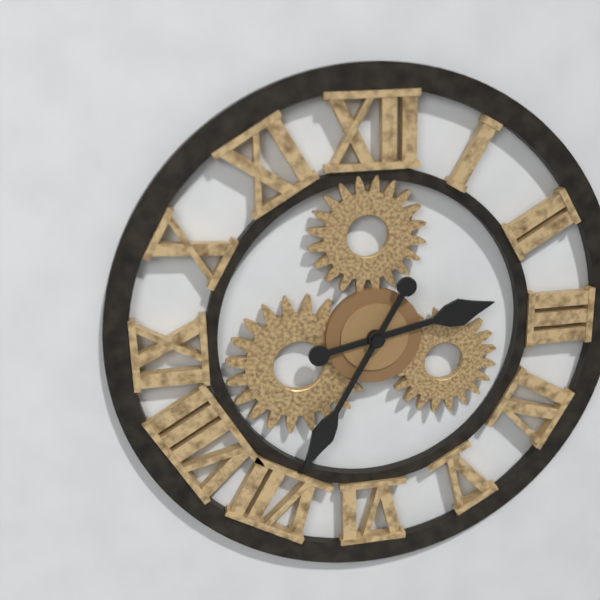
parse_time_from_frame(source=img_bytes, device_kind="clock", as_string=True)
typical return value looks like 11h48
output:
2h35
